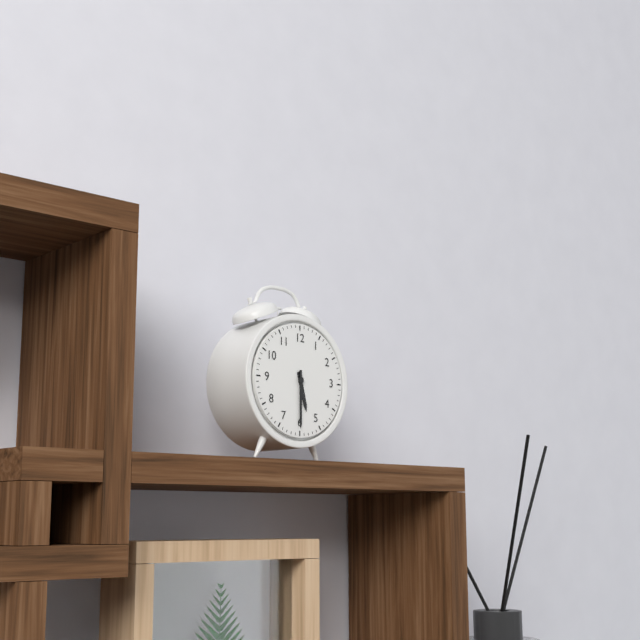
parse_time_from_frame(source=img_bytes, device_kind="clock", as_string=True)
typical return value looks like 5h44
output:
5h30
